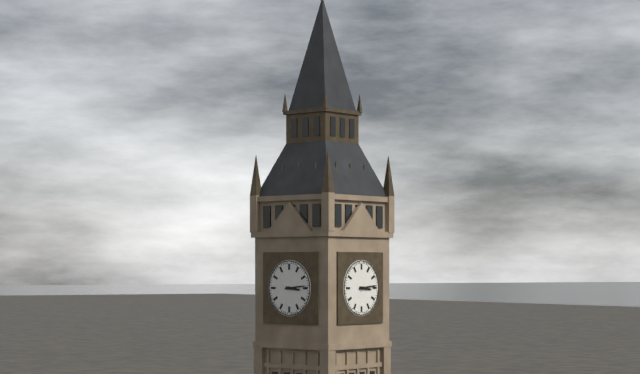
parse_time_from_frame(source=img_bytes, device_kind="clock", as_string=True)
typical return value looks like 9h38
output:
3h14
